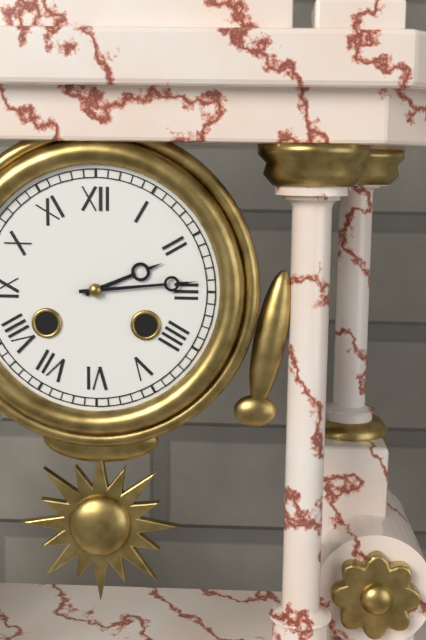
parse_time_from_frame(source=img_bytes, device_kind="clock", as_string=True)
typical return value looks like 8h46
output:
2h14
